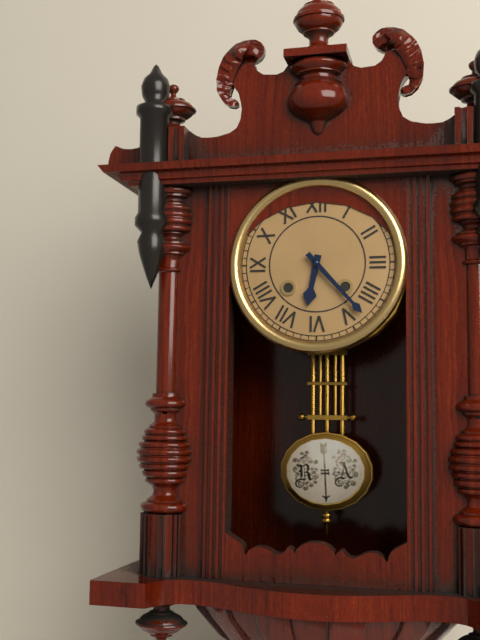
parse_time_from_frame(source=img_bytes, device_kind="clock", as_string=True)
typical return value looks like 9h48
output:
6h23
